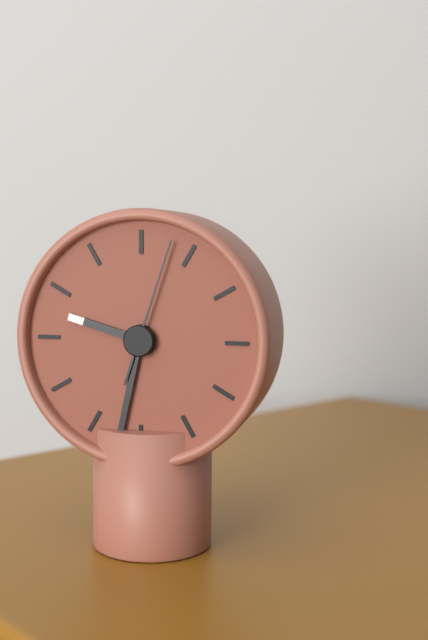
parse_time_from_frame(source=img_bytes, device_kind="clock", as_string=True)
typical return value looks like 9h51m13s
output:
9h32m03s
